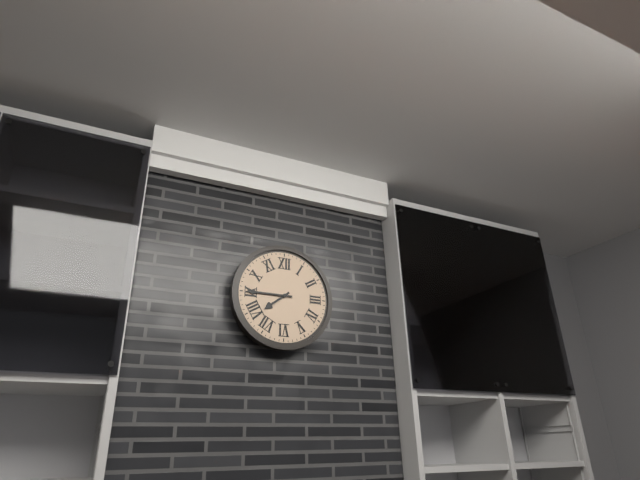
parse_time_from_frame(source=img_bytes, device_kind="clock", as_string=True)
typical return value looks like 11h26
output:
7h45
